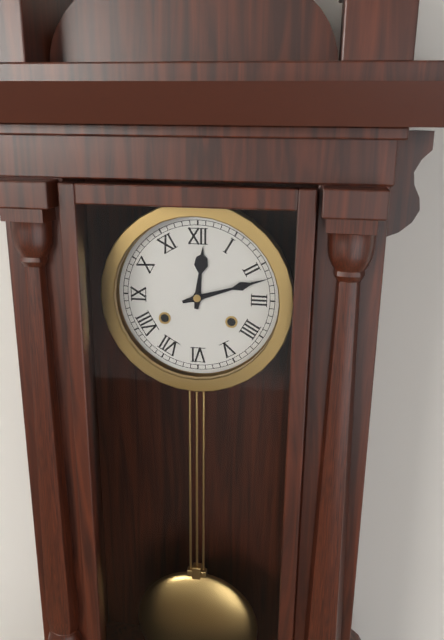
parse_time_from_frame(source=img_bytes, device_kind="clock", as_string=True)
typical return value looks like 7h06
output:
12h12
